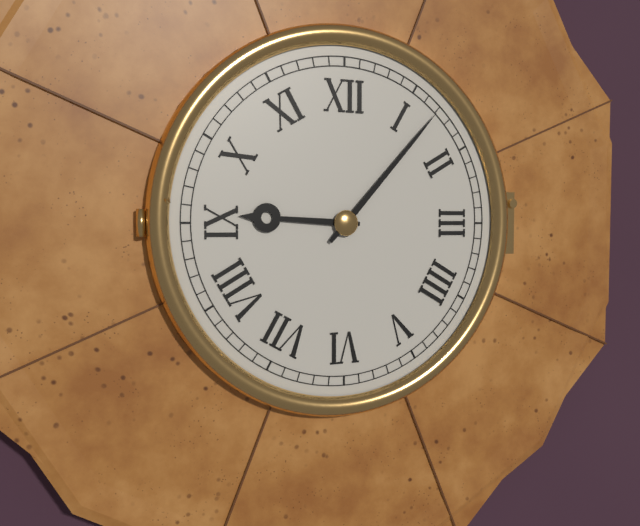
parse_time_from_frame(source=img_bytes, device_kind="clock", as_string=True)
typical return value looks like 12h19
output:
9h07
